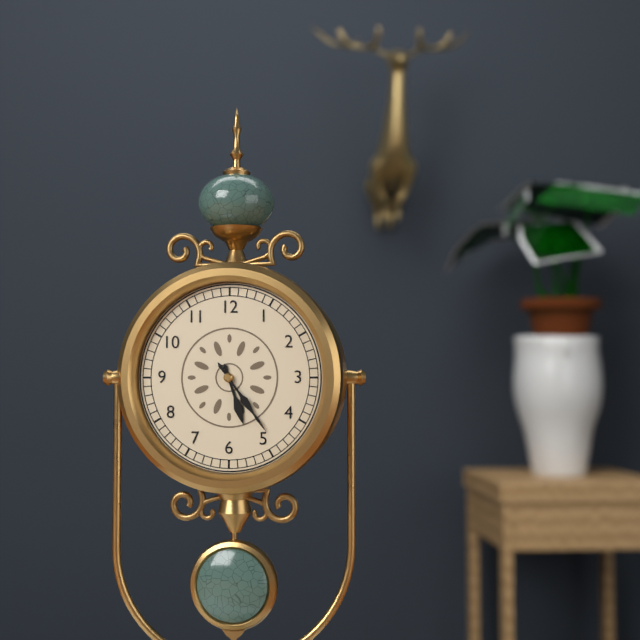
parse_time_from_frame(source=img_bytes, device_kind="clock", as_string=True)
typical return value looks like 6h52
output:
5h24
